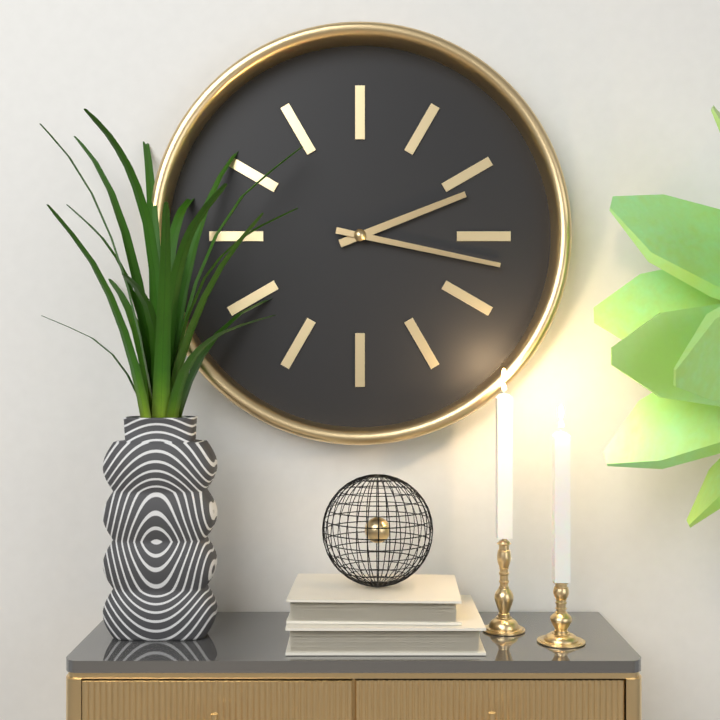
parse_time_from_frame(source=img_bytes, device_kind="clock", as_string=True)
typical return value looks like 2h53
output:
2h17
